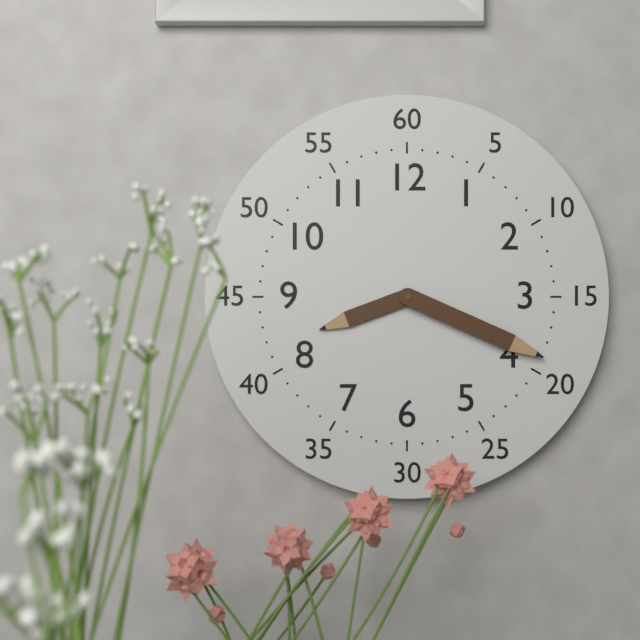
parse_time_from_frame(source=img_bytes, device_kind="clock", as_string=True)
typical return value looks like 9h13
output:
8h19
